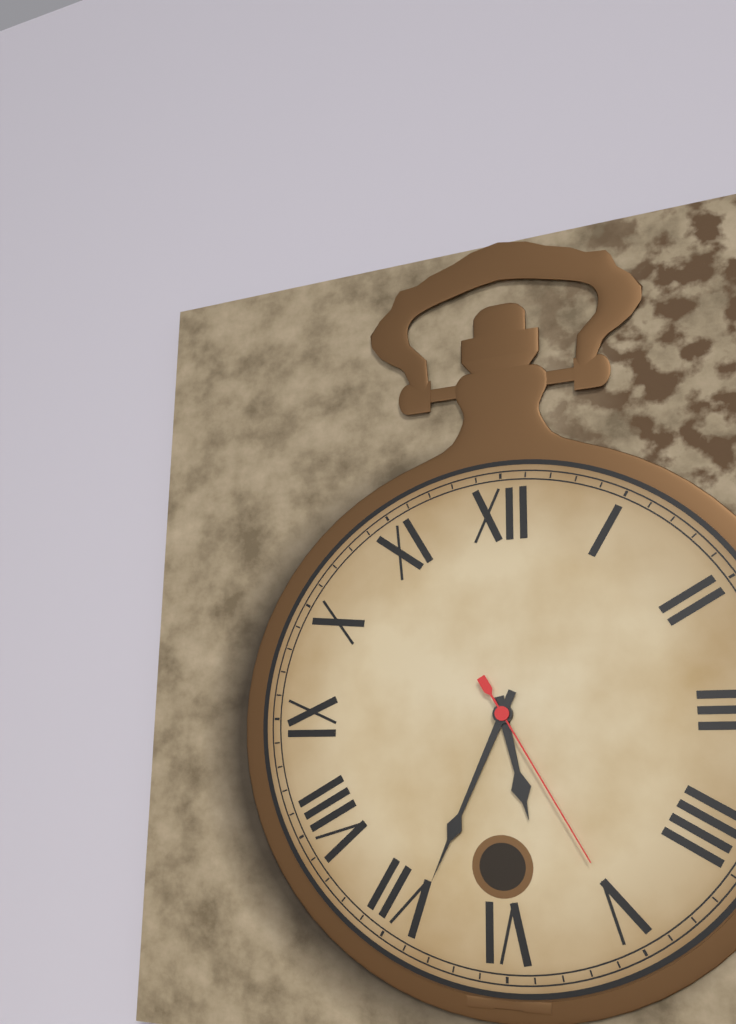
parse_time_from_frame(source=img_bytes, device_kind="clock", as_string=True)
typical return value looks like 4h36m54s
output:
5h34m25s
